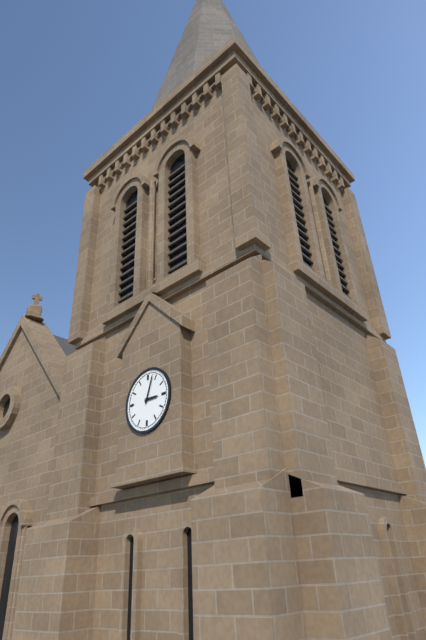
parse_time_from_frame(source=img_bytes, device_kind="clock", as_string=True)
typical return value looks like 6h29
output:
3h03
